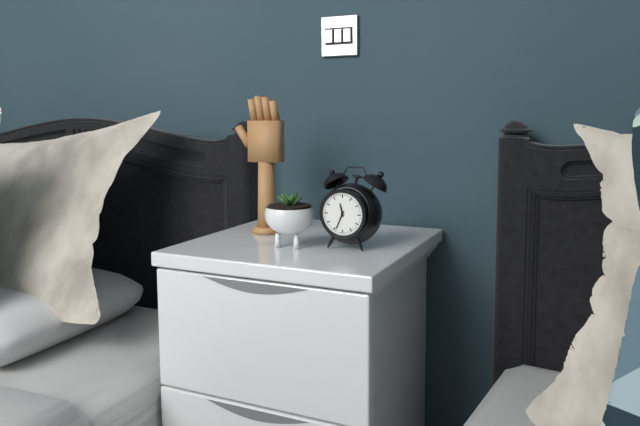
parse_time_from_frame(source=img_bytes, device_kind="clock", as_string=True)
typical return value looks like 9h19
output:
11h34
